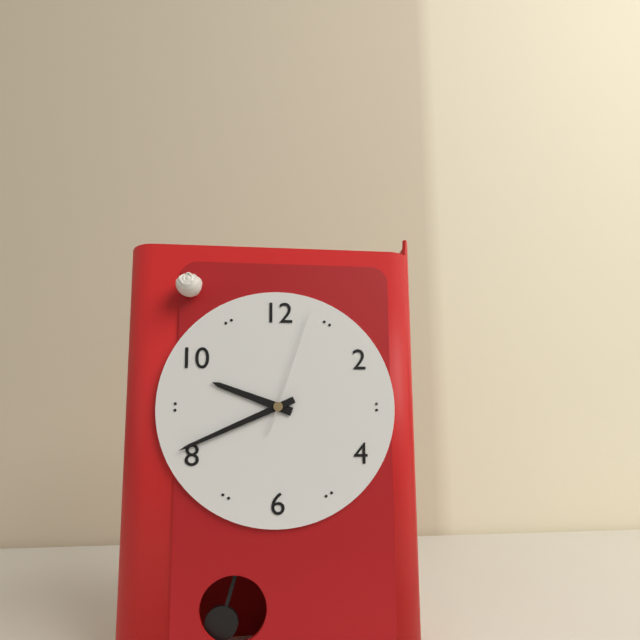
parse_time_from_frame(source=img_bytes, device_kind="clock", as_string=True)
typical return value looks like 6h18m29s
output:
9h41m03s
